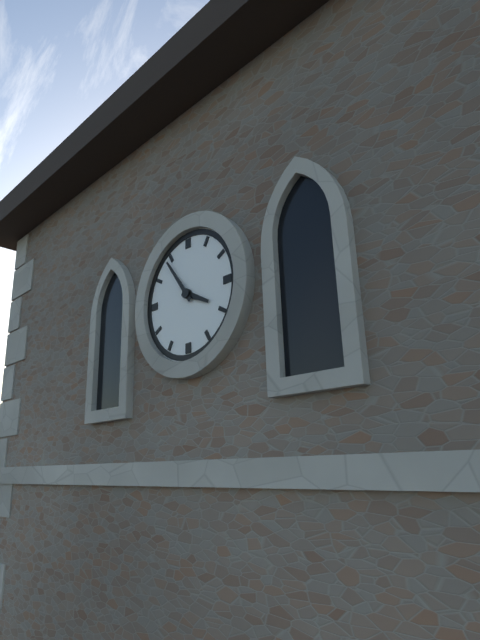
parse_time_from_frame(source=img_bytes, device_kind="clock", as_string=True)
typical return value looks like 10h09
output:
3h54
